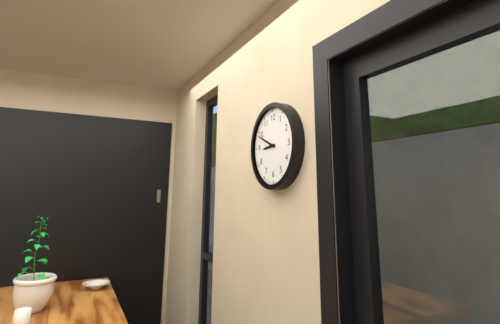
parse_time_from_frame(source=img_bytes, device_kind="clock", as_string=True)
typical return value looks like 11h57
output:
8h49
